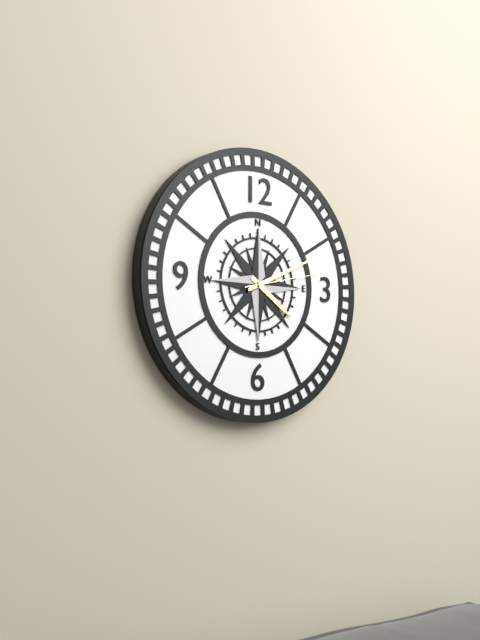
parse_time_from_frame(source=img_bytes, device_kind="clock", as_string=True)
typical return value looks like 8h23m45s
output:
4h11m13s
